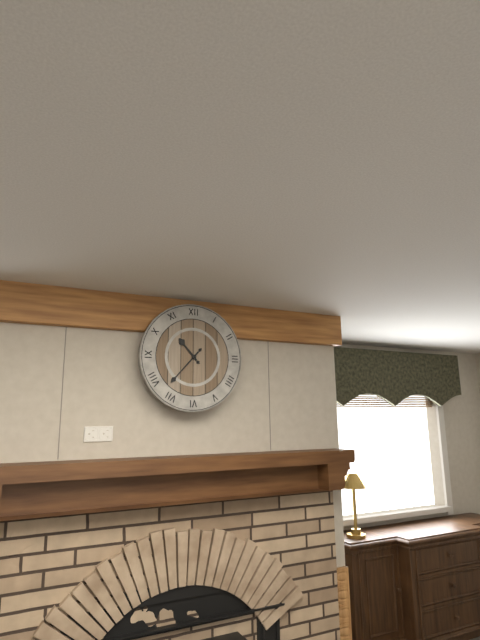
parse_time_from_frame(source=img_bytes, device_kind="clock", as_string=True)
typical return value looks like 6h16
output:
10h37
